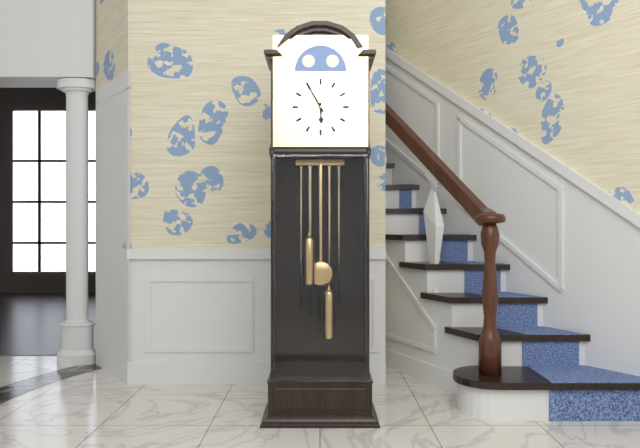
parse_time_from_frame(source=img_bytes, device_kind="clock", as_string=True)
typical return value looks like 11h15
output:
5h55
